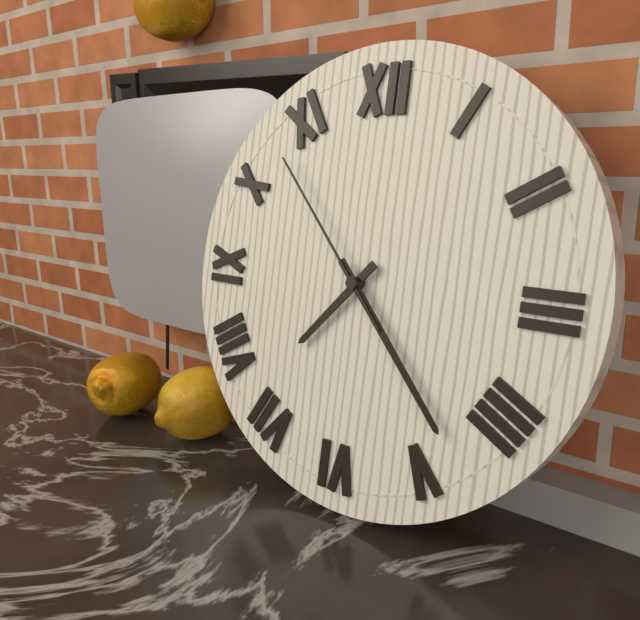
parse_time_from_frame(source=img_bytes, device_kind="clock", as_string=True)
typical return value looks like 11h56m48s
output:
7h23m53s
